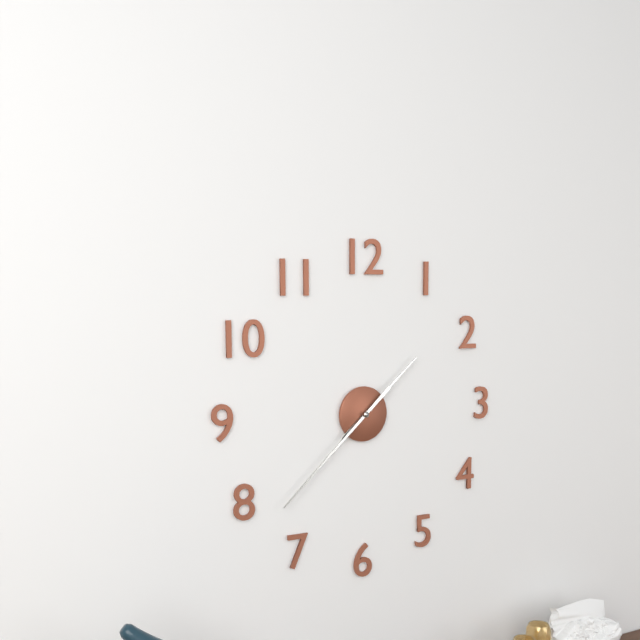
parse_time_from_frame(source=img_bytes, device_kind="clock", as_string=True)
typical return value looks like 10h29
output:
1h38
